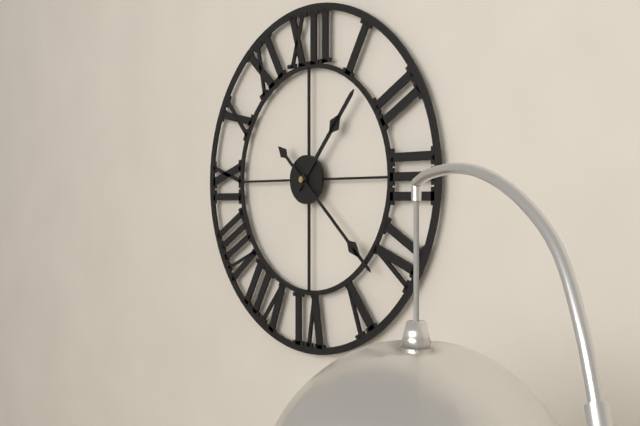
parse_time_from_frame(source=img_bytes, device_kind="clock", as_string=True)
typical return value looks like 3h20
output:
1h22
